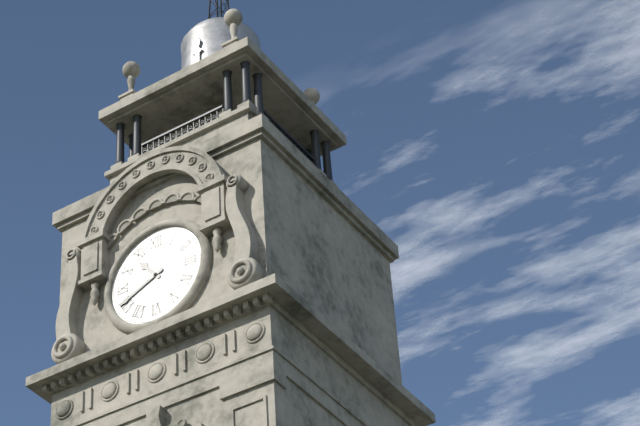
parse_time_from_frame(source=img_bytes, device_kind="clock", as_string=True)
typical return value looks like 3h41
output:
10h41
